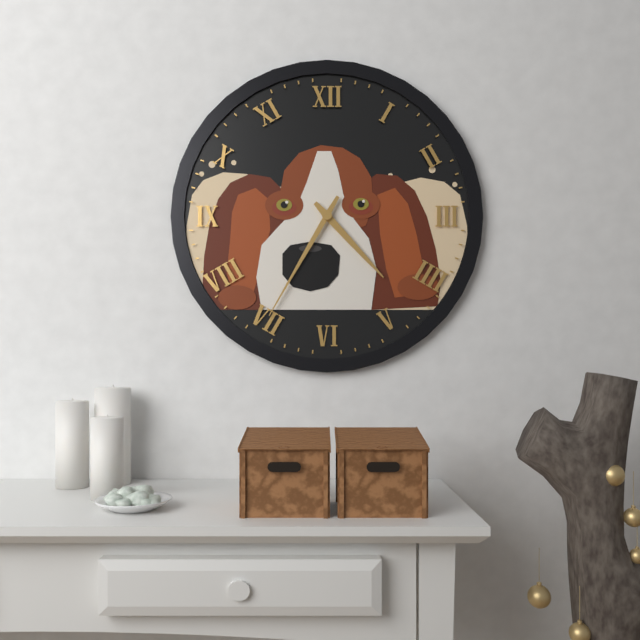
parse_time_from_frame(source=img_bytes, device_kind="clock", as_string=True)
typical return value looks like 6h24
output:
4h35
